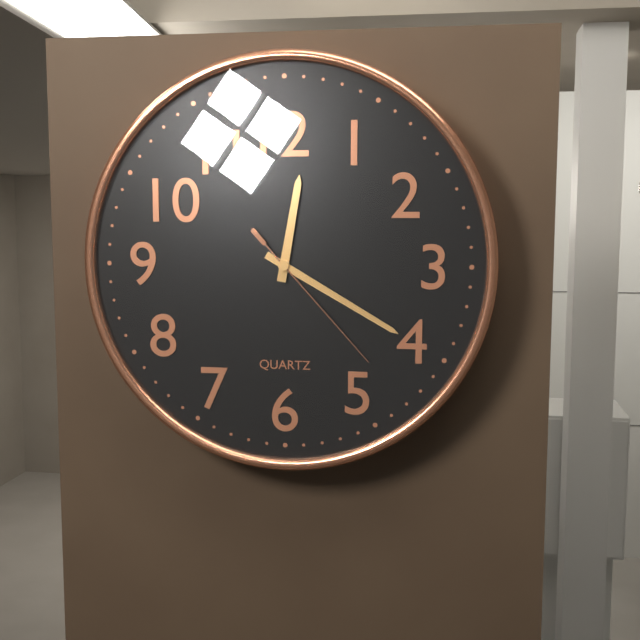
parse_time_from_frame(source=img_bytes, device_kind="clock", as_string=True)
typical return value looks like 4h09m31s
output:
12h20m23s
